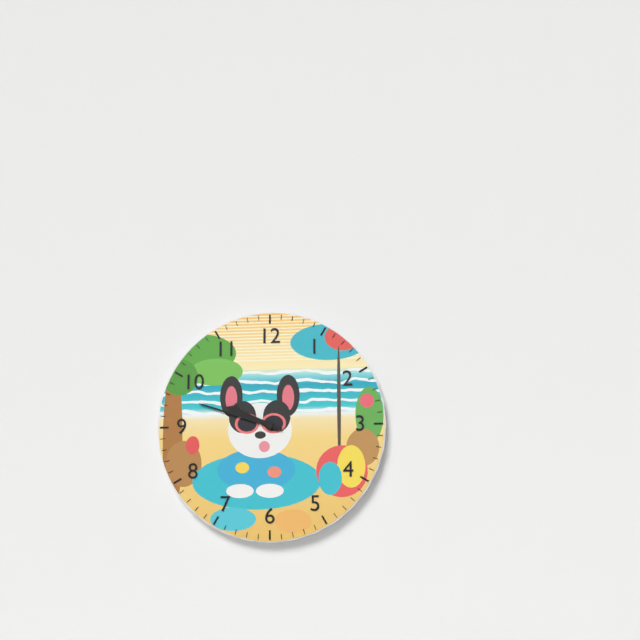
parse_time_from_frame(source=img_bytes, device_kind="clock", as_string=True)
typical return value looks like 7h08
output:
9h48
